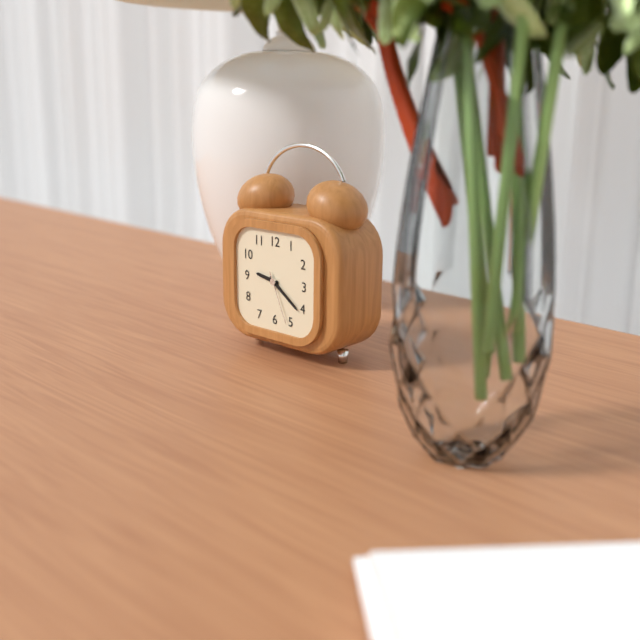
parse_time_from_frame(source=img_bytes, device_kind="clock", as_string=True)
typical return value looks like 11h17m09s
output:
9h21m26s
